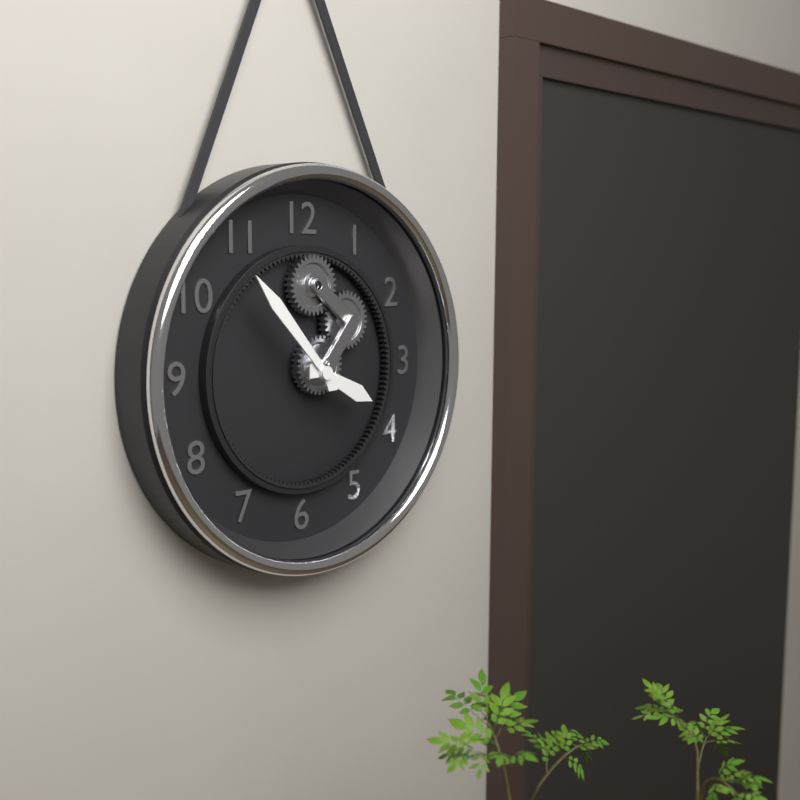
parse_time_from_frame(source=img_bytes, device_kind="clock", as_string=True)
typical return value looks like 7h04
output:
3h53
